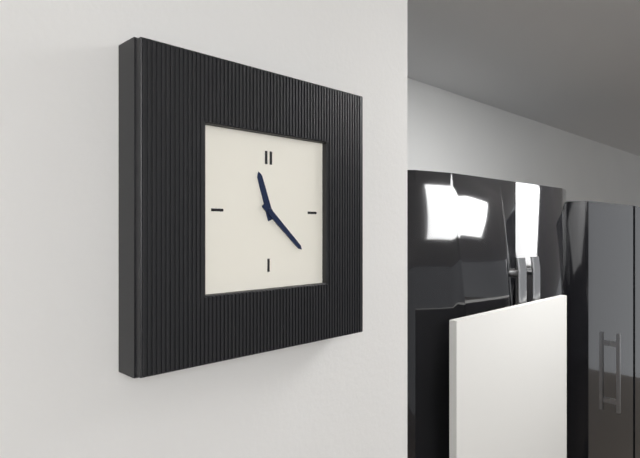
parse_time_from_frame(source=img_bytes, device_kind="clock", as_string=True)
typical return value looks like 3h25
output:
11h22
